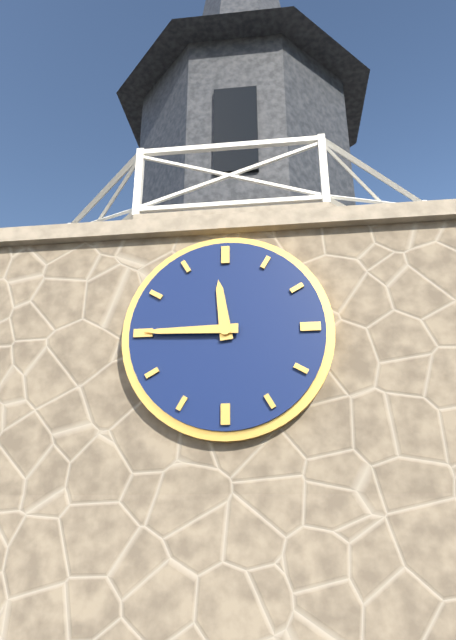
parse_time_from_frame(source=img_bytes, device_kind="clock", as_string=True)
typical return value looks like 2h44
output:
11h45
